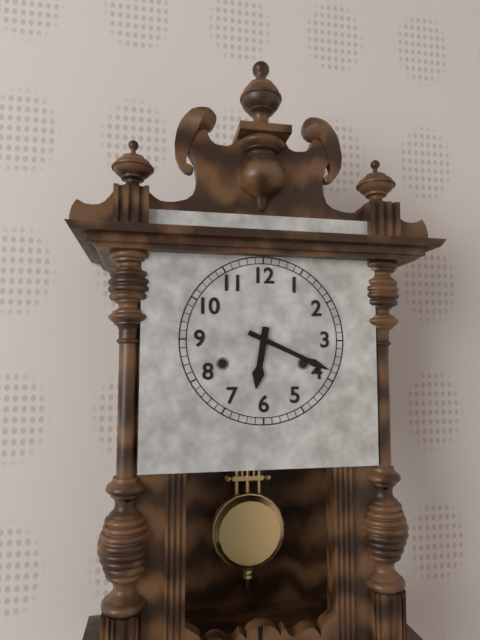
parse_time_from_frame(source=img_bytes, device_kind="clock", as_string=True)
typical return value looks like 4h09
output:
6h19
